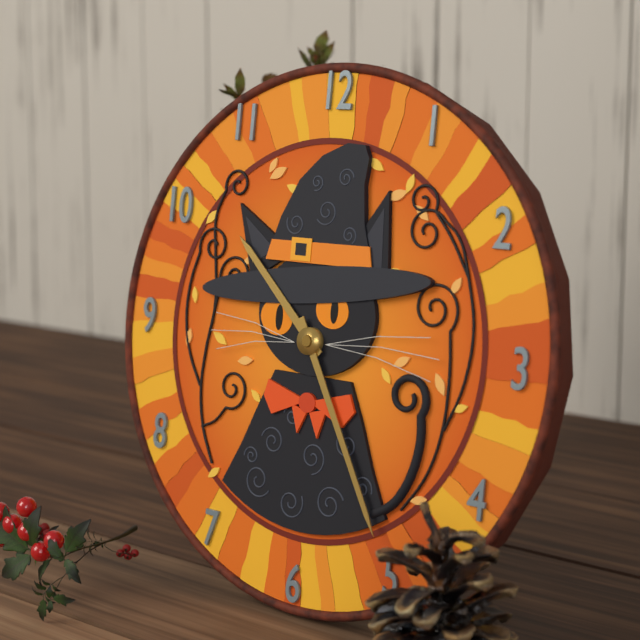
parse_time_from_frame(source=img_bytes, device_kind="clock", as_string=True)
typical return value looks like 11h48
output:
10h25
